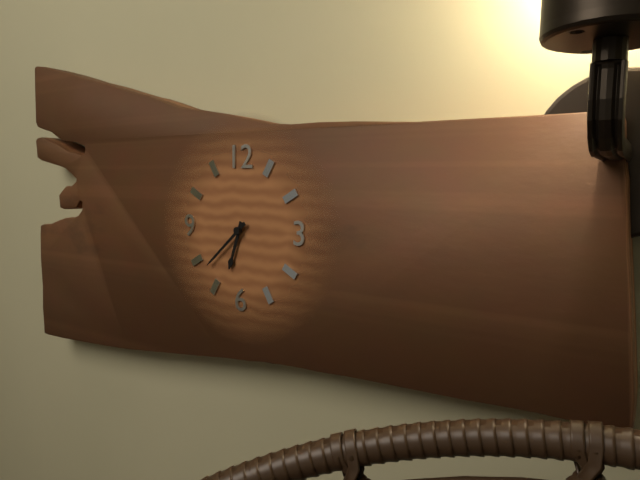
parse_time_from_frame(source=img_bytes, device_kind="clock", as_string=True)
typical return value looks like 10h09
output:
6h38
